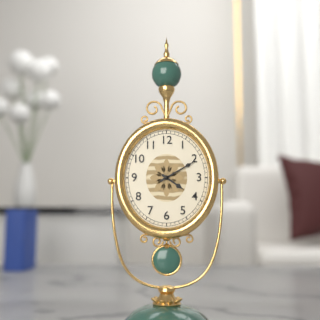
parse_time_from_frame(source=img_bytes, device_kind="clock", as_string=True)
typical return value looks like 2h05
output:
4h10
